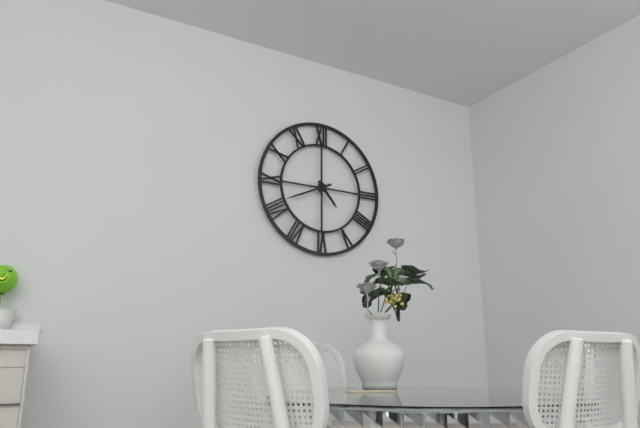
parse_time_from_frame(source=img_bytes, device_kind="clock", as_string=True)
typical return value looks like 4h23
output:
4h41
